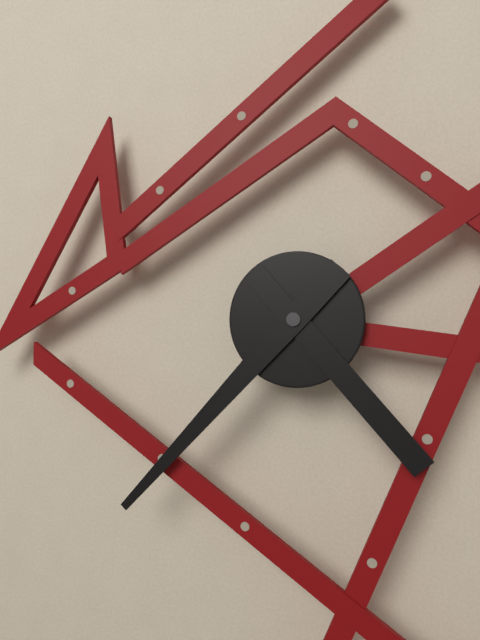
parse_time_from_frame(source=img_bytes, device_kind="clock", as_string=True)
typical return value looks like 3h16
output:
4h37
